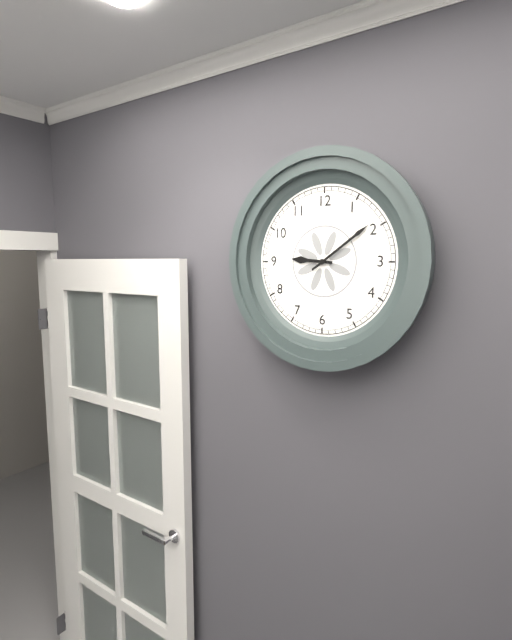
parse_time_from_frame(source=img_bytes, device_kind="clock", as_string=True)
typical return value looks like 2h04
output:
9h09
